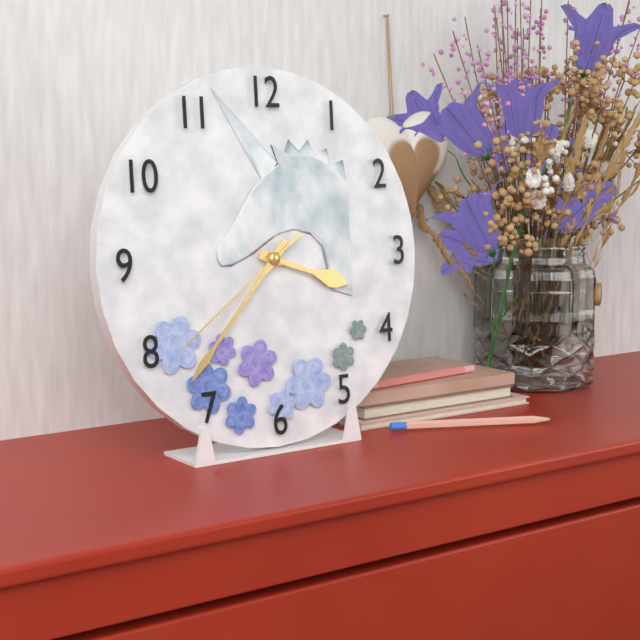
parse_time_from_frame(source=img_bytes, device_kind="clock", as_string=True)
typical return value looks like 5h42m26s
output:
3h37m39s
